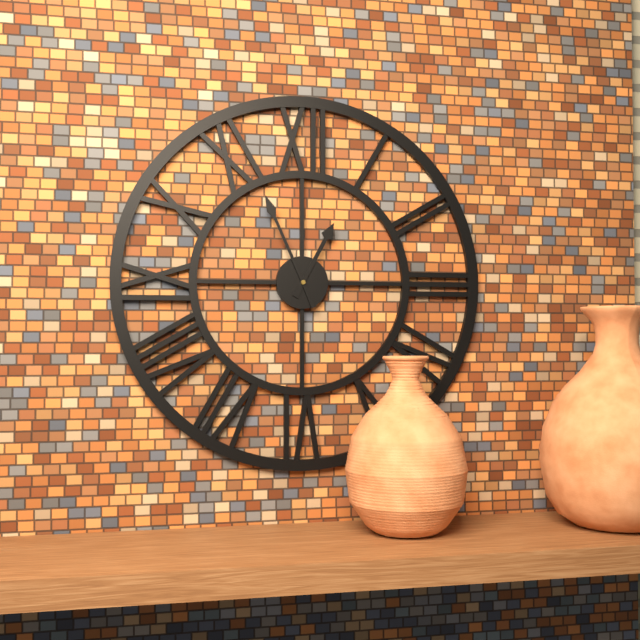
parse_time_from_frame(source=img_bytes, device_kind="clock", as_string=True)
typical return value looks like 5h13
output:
12h56
